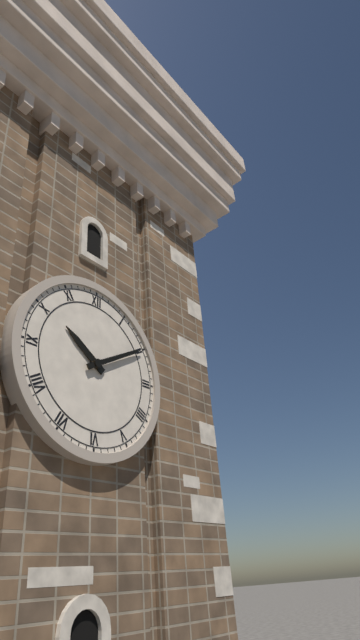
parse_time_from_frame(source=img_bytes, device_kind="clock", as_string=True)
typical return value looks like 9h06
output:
10h10
